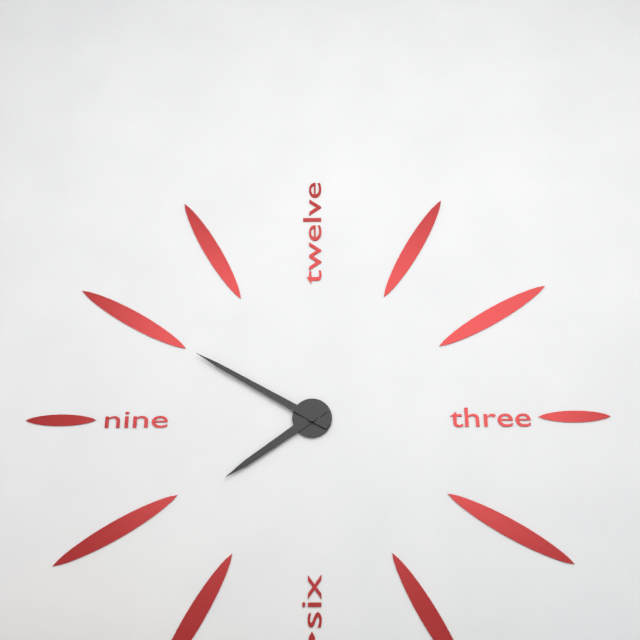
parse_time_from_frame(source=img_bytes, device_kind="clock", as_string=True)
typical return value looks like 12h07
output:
7h50
